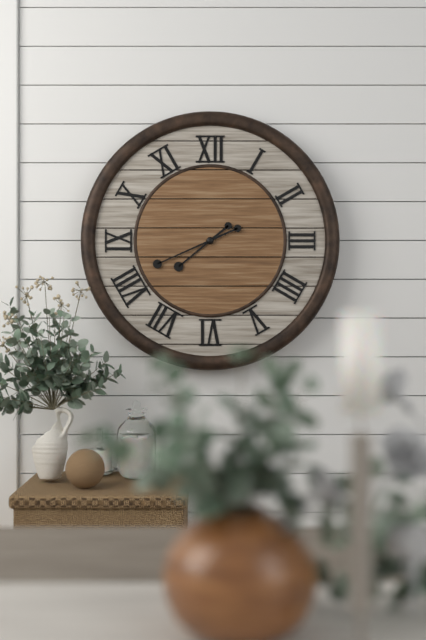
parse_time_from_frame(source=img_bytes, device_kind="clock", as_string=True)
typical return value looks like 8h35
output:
7h41
